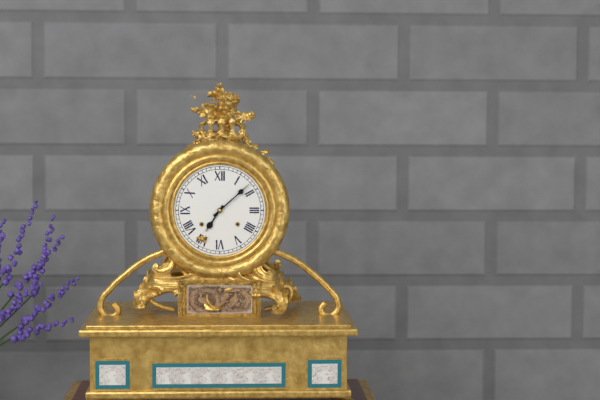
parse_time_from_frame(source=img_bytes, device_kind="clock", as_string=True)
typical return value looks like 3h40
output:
7h08
